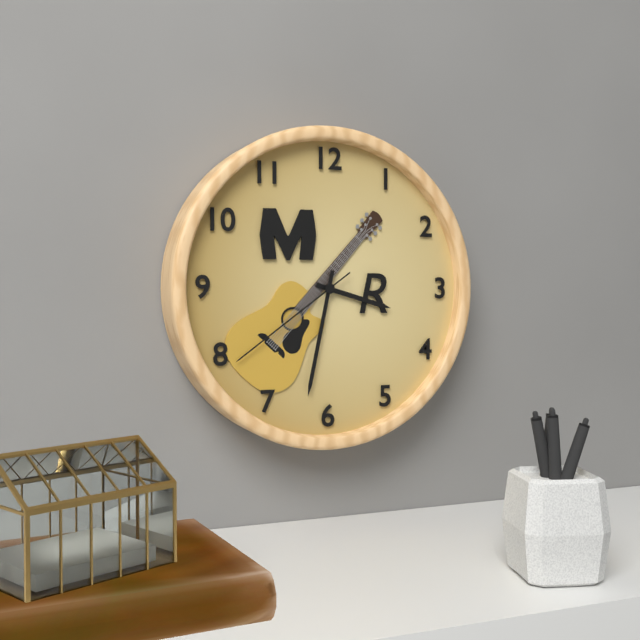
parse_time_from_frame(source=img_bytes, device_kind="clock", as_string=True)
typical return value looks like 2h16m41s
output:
3h32m39s
